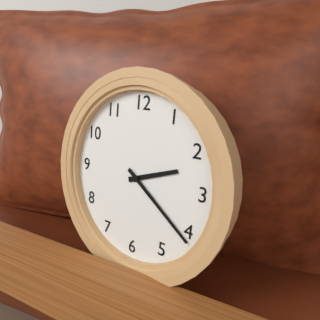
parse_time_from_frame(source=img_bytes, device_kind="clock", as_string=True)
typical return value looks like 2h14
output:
2h21
